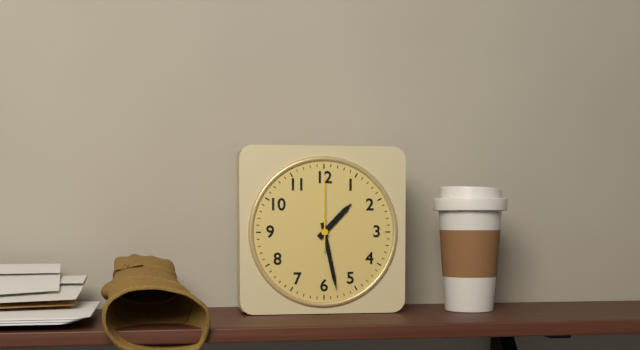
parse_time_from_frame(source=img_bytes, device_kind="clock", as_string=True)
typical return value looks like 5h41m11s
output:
1h28m00s
